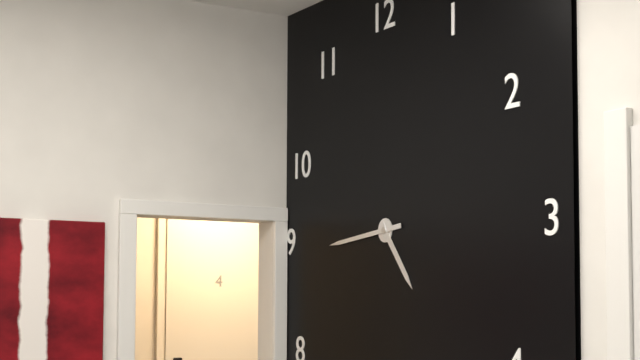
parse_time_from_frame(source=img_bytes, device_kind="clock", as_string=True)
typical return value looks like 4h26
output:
4h44
